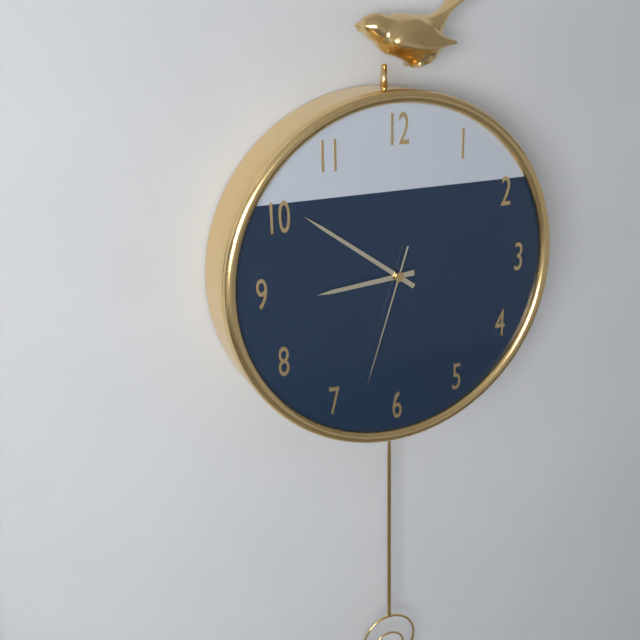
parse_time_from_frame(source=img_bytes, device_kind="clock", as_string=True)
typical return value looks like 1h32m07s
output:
8h51m33s
